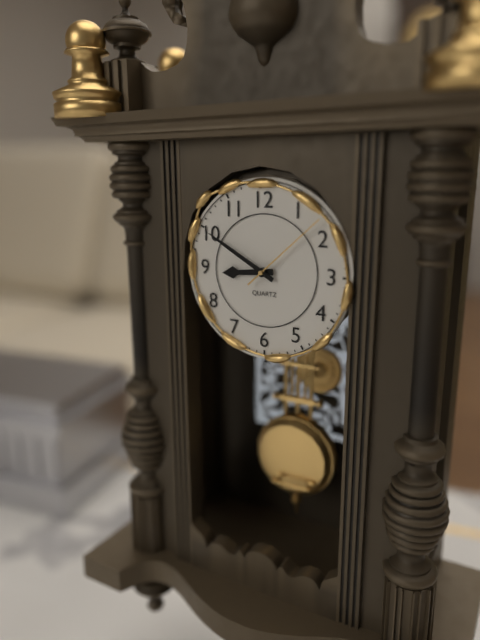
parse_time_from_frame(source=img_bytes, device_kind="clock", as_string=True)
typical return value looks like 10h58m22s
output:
8h50m08s
